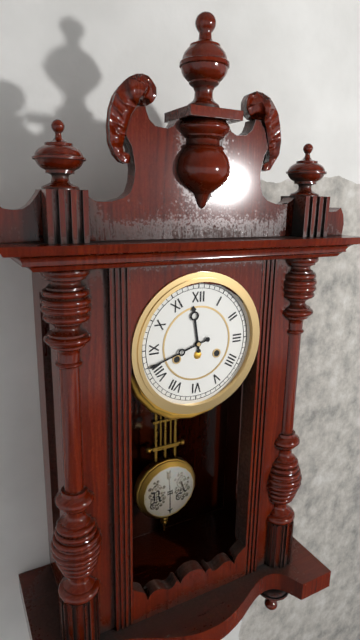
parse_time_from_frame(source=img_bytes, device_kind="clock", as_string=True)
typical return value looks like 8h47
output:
11h42
